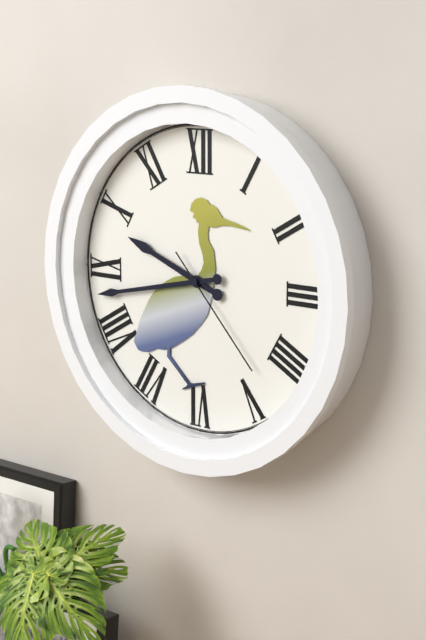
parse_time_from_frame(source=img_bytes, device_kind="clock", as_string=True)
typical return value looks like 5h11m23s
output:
9h43m23s
